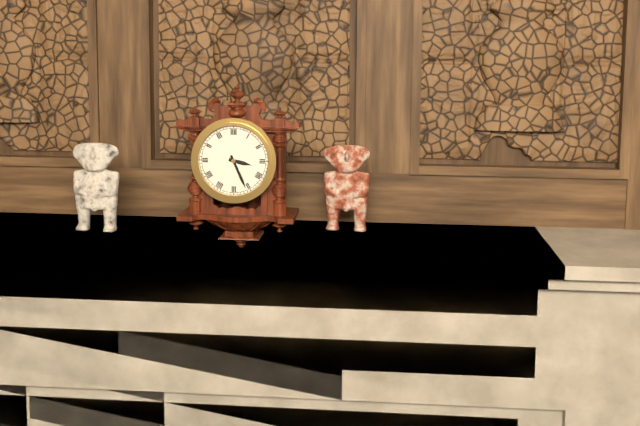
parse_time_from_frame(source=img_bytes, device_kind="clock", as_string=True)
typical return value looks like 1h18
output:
3h26
